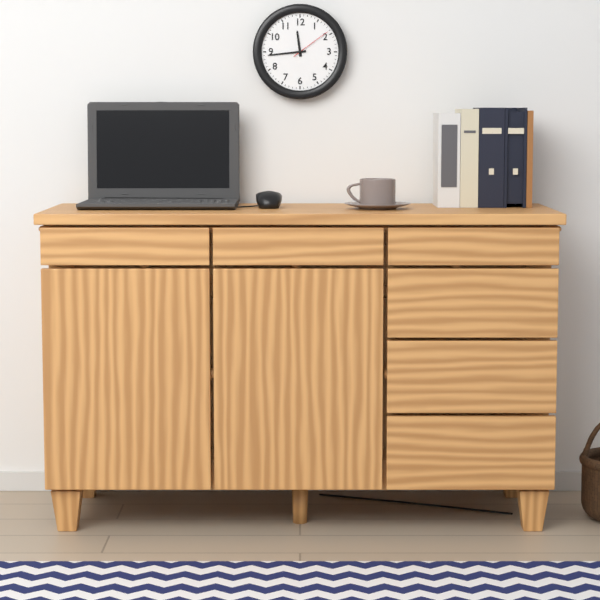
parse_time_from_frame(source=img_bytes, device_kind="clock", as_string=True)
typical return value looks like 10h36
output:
11h44
